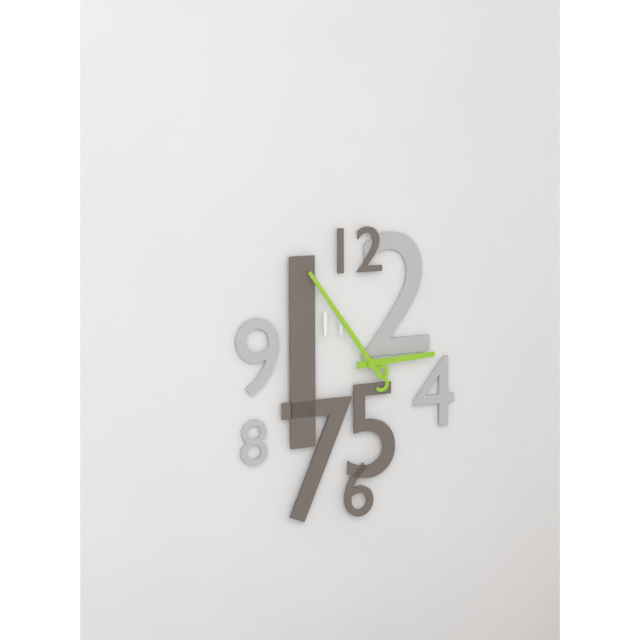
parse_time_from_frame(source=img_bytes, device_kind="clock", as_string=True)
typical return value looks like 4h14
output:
2h54
